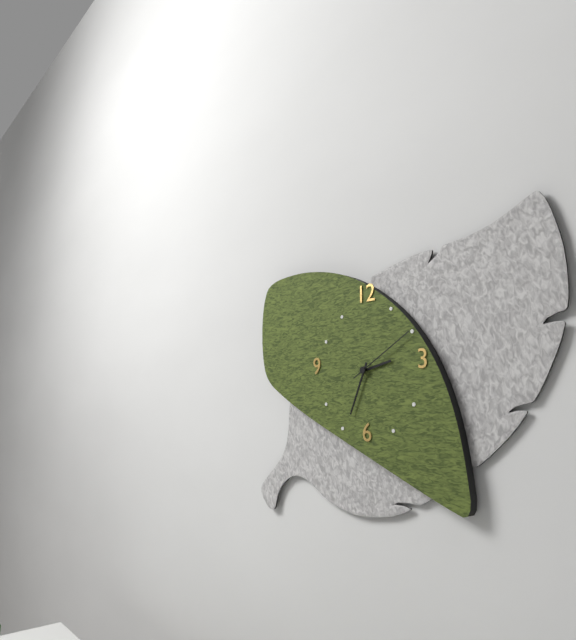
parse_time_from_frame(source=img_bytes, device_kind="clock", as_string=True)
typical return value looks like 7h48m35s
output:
2h34m10s
